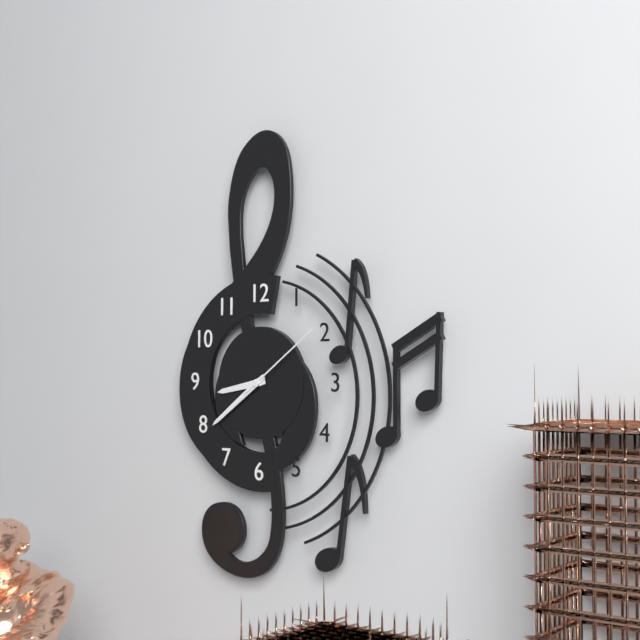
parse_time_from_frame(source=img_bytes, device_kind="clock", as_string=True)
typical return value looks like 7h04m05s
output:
8h39m09s
